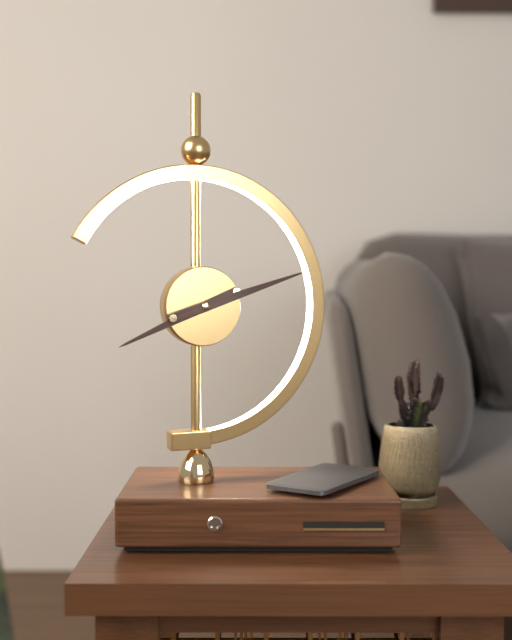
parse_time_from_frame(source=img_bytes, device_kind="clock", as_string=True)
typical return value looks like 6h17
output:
8h12
